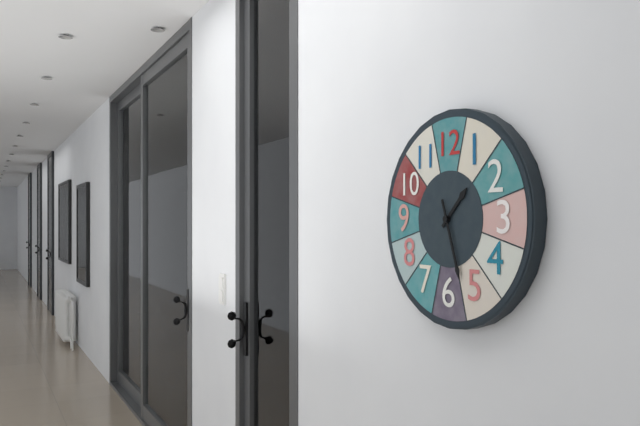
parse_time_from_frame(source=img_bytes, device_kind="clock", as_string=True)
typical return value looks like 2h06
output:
1h27
